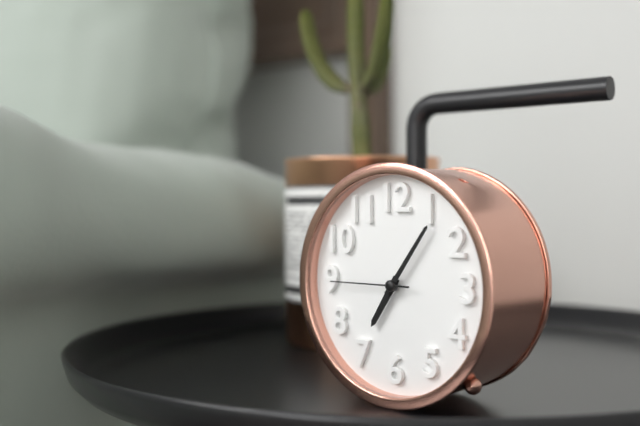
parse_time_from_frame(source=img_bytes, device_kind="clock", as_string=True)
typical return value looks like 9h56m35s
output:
7h06m45s
